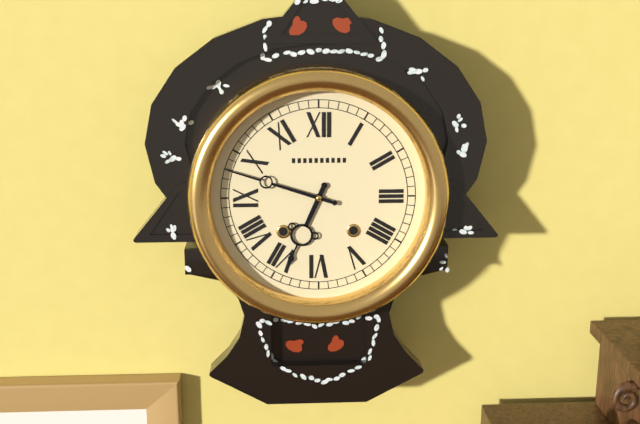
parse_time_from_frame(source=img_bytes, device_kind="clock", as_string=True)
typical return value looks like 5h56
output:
6h48
